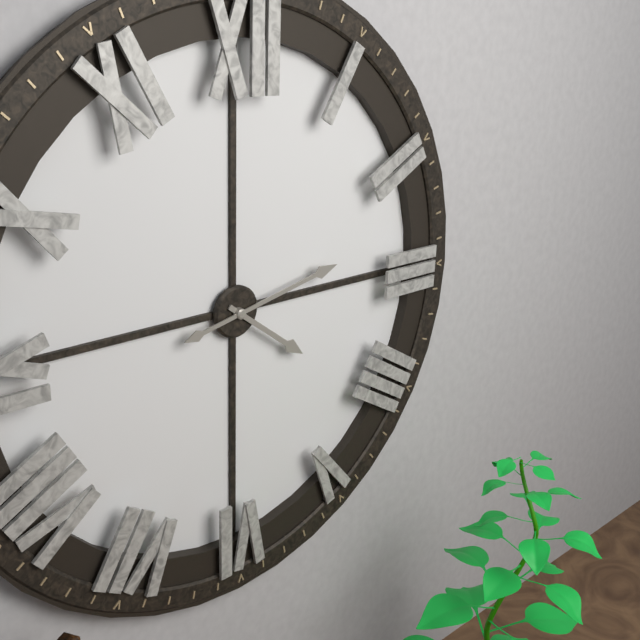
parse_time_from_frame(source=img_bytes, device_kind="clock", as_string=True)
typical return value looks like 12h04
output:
4h13
